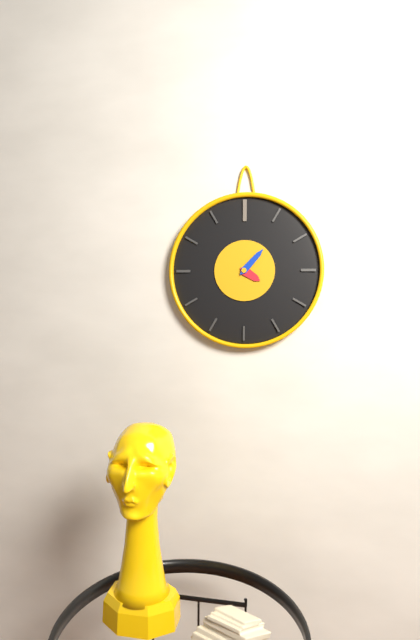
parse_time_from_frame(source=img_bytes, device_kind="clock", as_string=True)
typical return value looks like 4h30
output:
4h07
